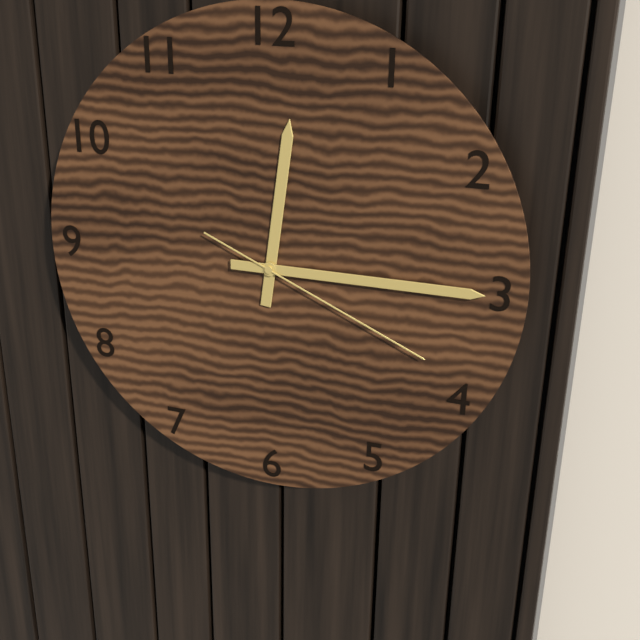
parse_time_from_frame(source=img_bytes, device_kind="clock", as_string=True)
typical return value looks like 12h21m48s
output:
12h15m19s
